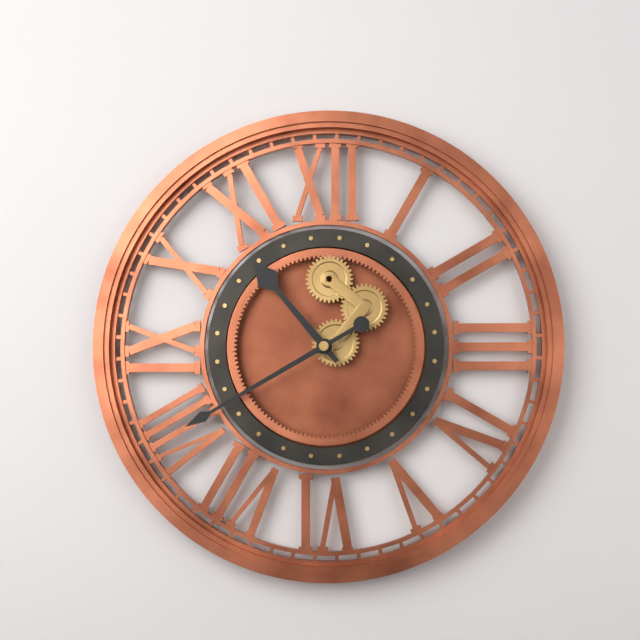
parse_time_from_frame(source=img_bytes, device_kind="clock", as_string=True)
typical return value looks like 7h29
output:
10h40
